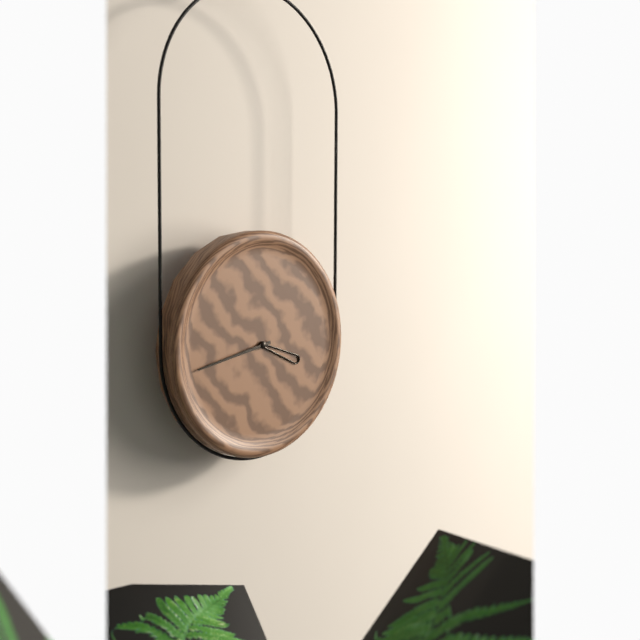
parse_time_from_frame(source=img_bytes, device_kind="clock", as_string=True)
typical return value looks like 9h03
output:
3h43
